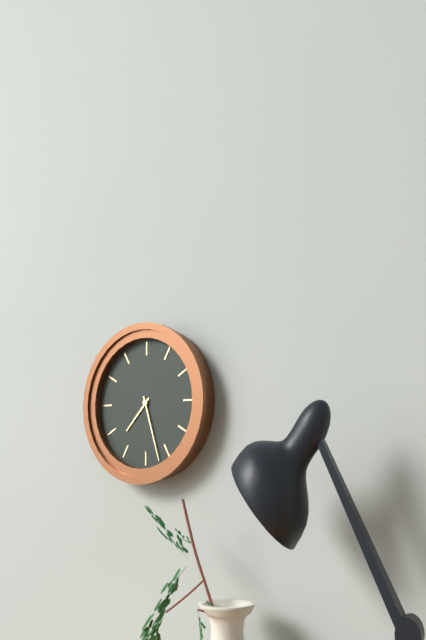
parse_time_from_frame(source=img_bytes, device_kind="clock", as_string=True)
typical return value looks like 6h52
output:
7h27
